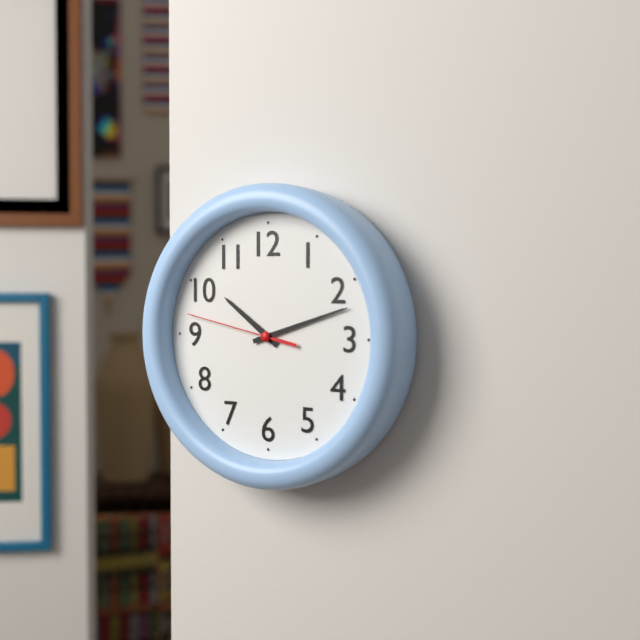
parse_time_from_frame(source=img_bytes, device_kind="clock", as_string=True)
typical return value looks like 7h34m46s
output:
10h12m47s
